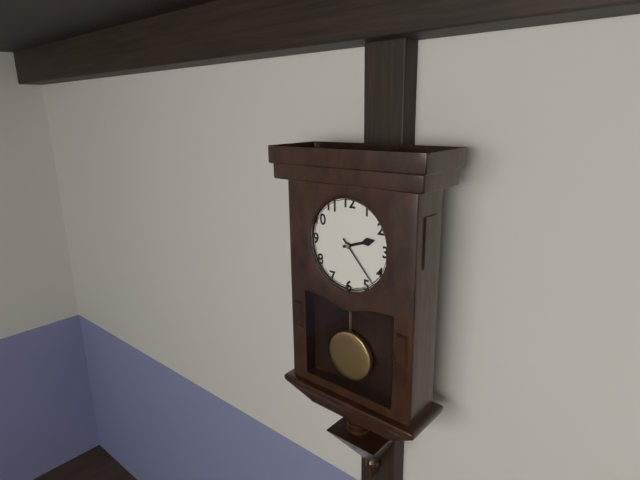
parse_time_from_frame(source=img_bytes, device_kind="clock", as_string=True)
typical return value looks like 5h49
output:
2h23
